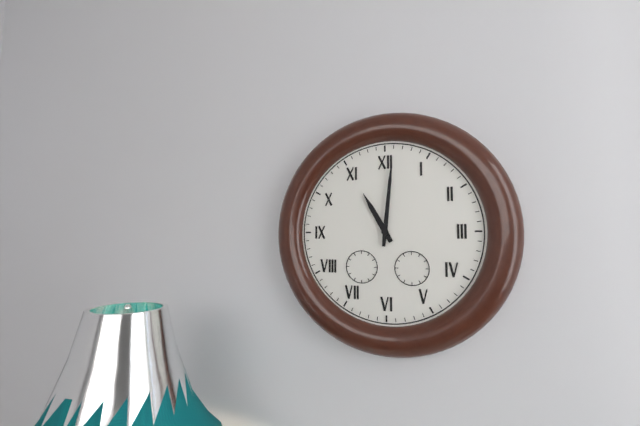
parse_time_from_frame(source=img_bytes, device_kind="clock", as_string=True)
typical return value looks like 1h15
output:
11h01
